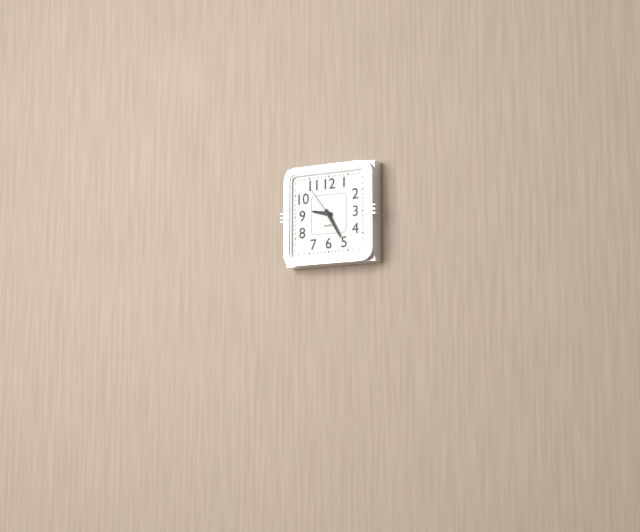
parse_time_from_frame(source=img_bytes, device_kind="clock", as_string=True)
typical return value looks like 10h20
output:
9h25
